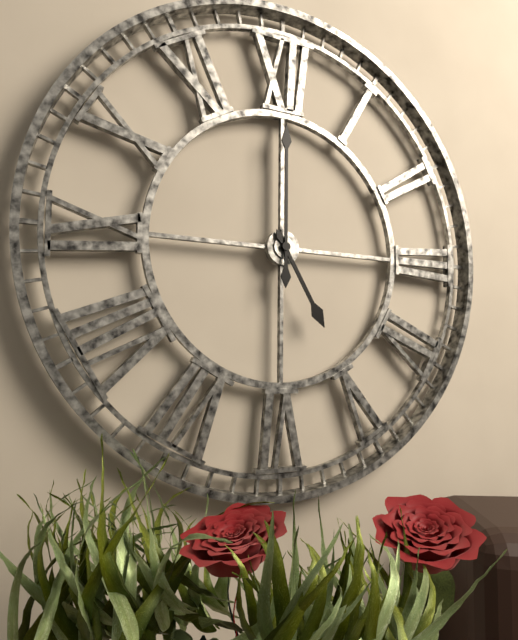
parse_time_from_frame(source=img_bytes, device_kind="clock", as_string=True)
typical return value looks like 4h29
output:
5h00
